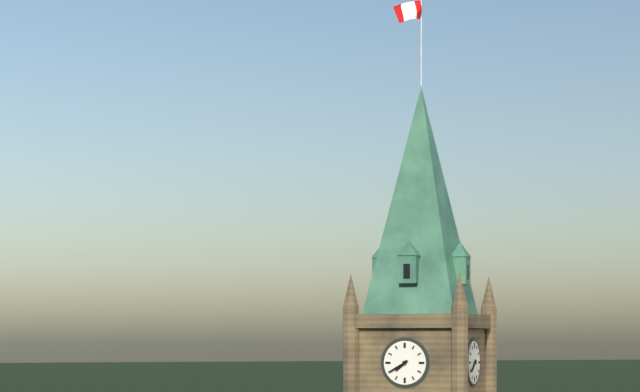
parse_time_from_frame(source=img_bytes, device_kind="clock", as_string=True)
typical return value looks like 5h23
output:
7h40
